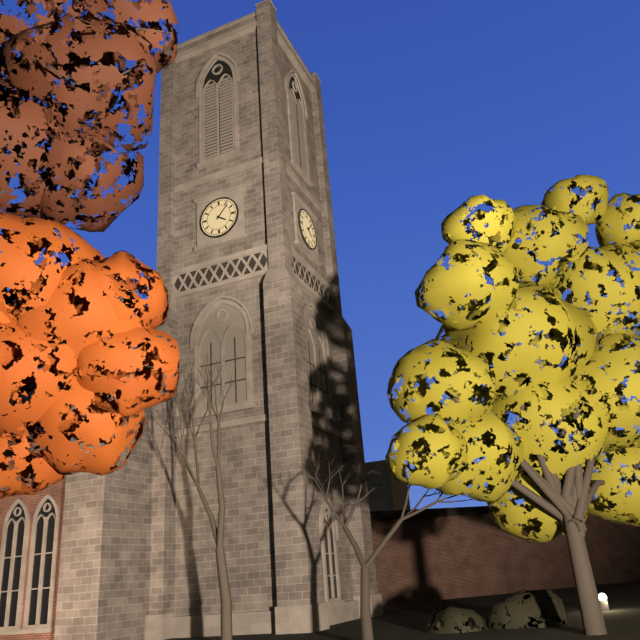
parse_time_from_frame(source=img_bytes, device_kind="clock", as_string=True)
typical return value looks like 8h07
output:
4h07
